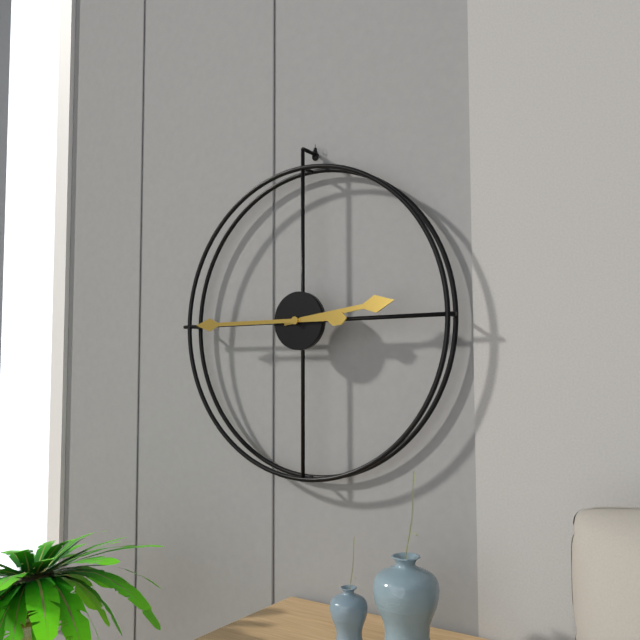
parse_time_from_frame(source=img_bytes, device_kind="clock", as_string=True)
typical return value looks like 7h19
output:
2h45
